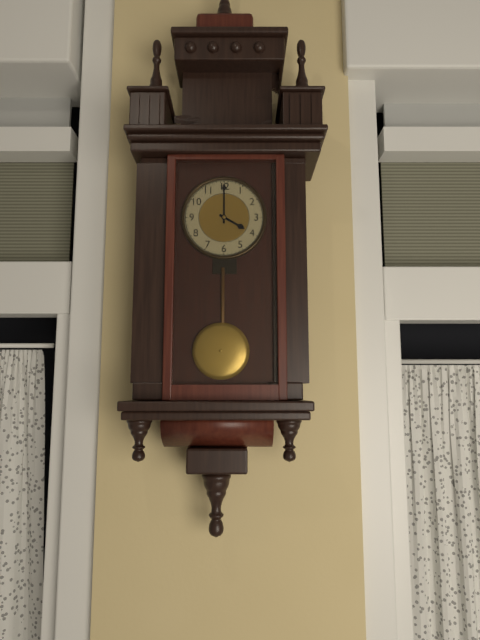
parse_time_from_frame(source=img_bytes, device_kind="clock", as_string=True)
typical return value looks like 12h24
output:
4h00
